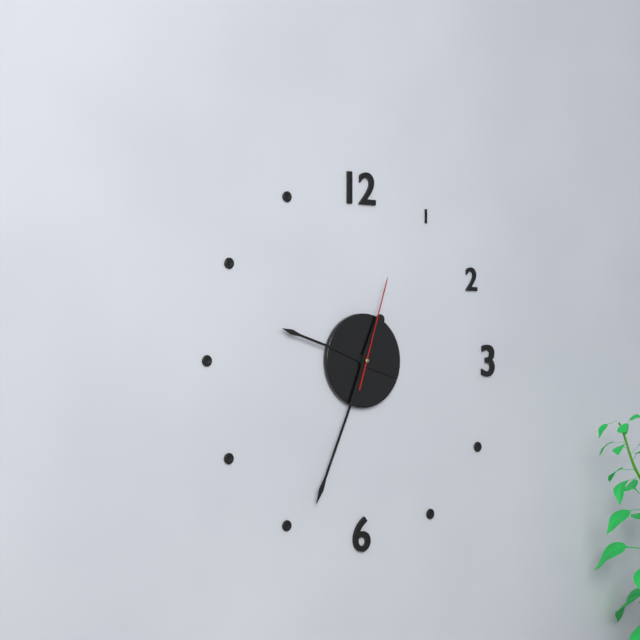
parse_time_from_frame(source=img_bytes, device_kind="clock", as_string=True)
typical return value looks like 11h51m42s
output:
9h34m03s
